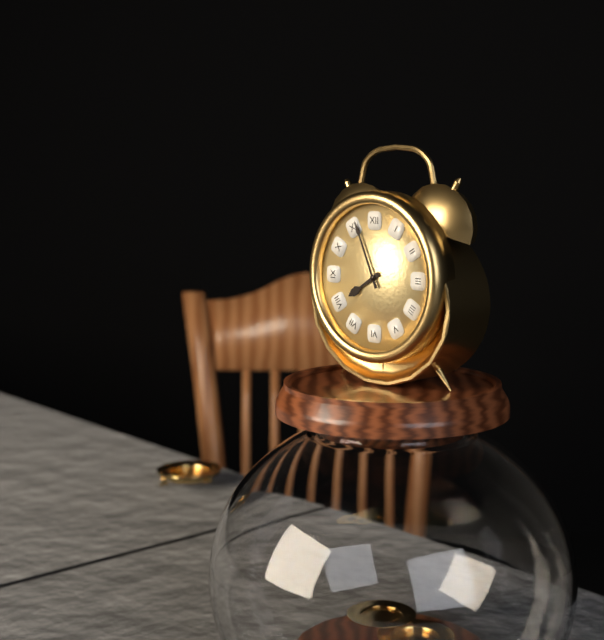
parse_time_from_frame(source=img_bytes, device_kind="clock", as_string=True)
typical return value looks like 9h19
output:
7h56
